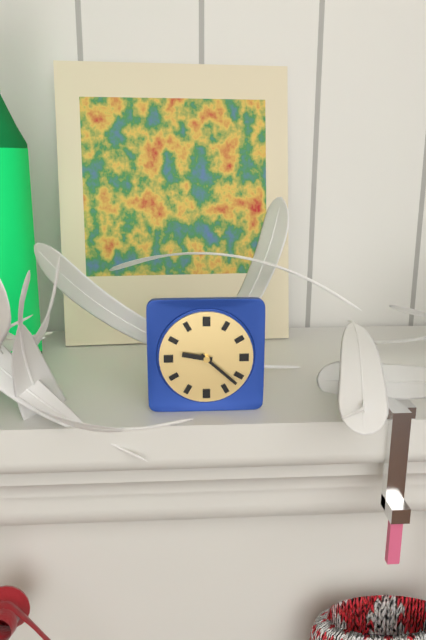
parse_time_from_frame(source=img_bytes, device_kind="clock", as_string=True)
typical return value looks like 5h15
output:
9h22
